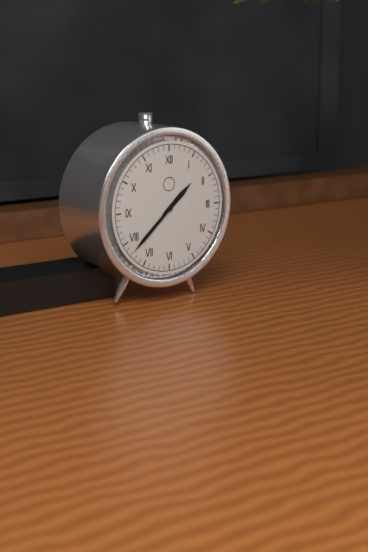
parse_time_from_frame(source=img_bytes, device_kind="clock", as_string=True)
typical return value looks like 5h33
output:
1h38
